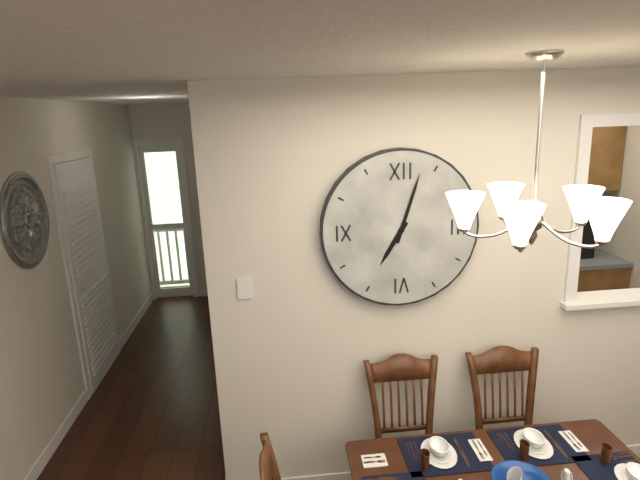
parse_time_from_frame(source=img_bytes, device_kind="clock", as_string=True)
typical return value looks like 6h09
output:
7h03
